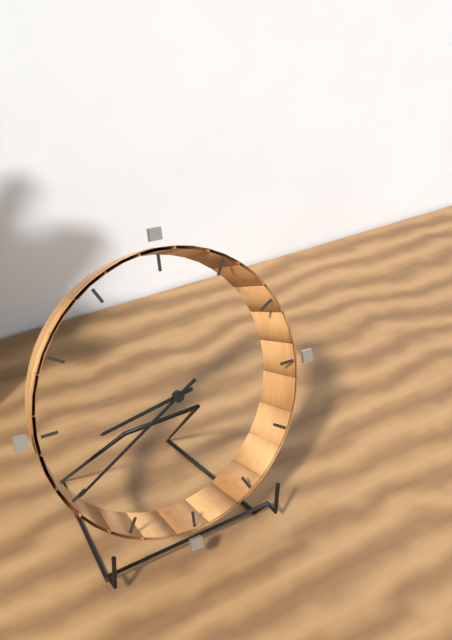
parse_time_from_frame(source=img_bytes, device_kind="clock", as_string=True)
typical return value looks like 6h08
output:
8h40
